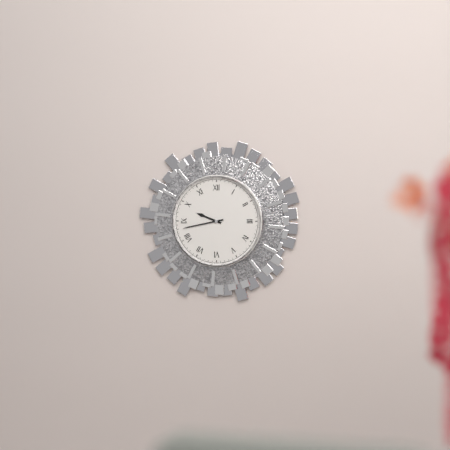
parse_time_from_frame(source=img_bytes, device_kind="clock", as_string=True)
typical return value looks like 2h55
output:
9h43
